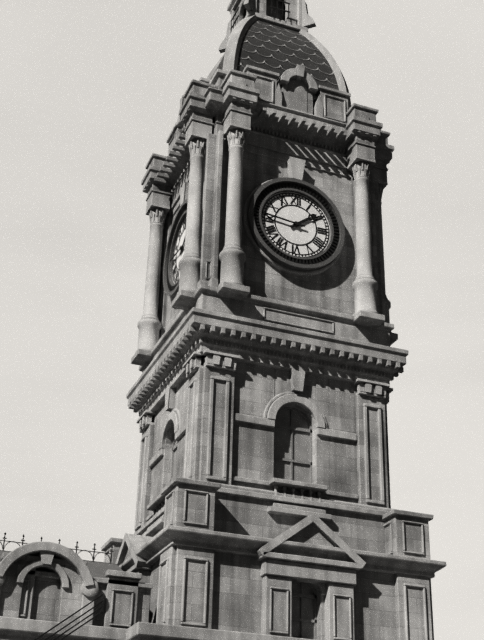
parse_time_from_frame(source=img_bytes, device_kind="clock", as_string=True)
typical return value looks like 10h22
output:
1h46
